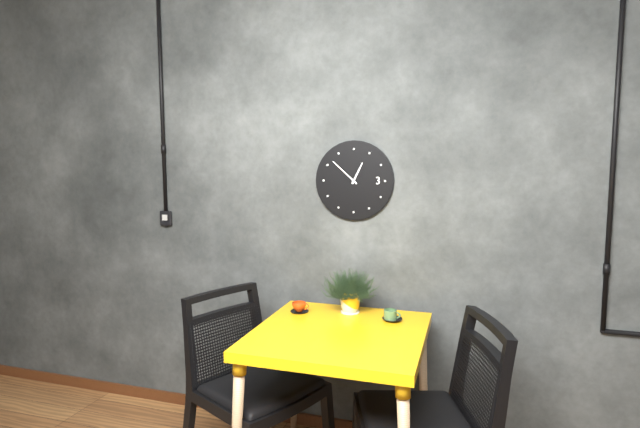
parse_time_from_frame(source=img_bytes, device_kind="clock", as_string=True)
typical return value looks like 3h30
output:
12h52
